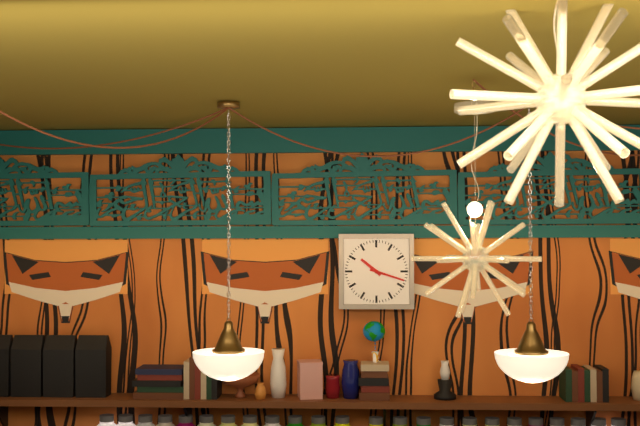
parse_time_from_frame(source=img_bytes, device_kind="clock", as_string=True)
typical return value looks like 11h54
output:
10h18
